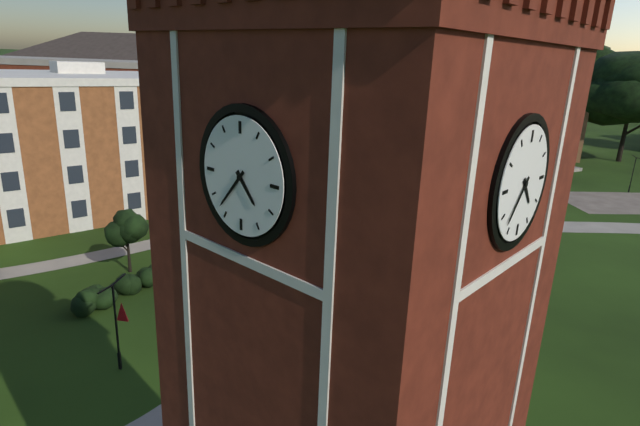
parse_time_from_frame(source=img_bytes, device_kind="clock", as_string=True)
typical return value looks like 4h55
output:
4h37
